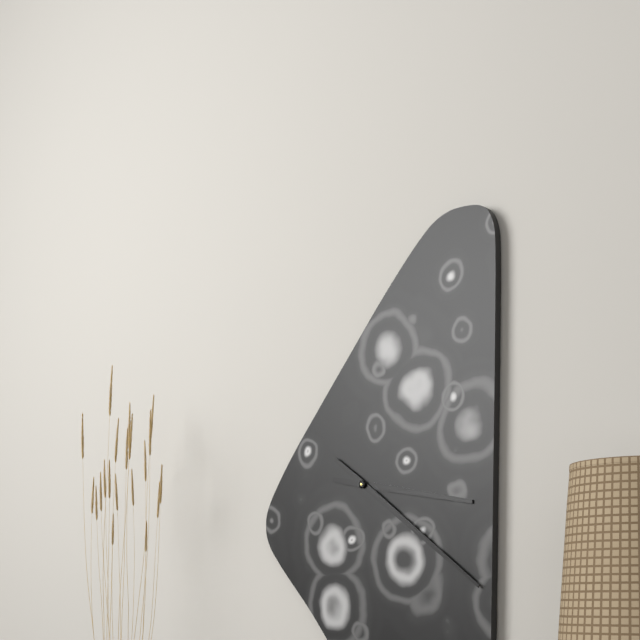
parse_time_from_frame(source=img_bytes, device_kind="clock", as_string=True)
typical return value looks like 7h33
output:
3h21
